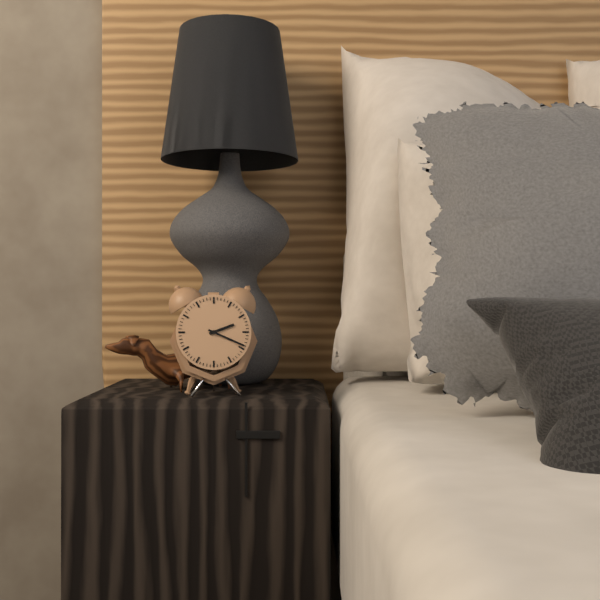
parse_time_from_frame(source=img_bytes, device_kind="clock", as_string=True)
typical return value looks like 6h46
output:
2h19
